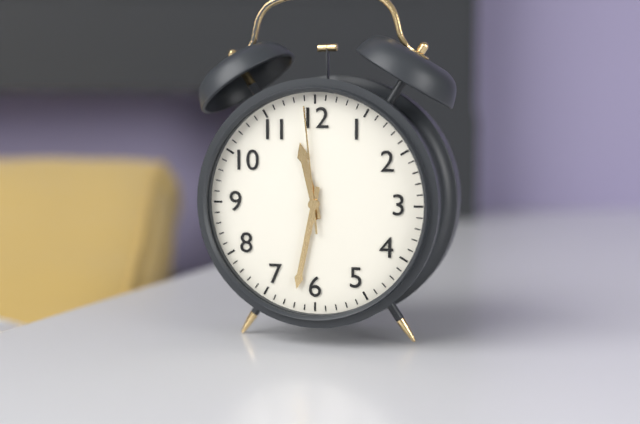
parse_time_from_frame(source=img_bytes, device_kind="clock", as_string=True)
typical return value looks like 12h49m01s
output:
11h32m59s
